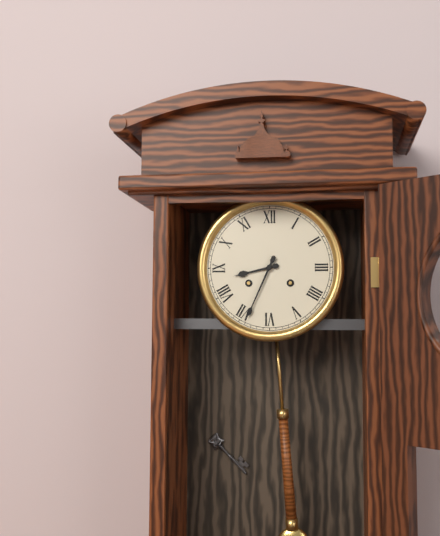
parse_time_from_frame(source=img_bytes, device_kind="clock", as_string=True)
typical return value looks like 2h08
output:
8h34
